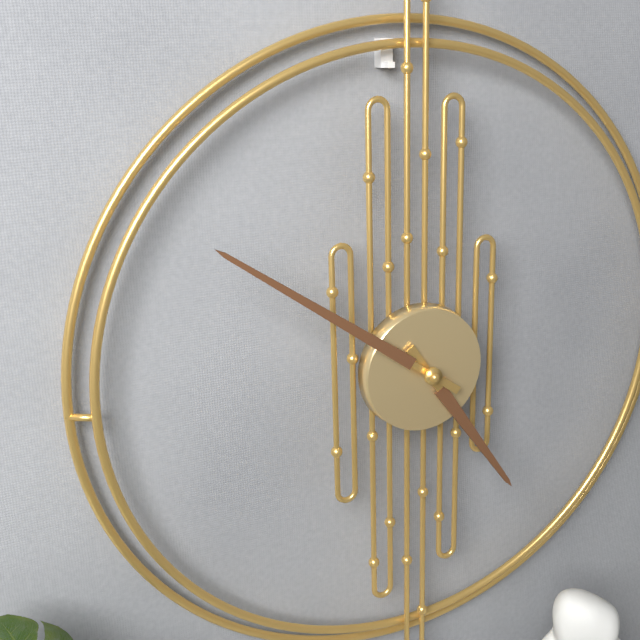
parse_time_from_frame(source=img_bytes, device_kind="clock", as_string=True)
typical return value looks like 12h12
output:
4h51
